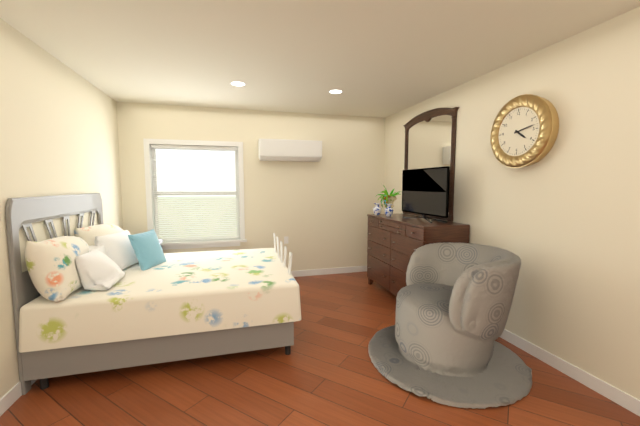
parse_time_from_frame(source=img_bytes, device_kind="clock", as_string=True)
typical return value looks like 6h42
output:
4h13
